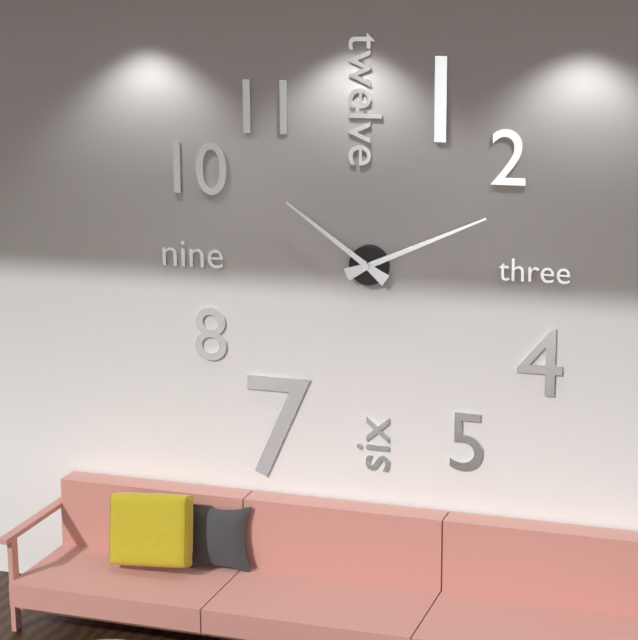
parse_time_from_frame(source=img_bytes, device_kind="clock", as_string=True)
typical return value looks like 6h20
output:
10h11
